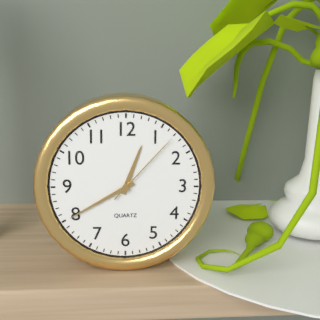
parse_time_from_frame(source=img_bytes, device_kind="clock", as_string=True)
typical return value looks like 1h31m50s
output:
12h40m07s
